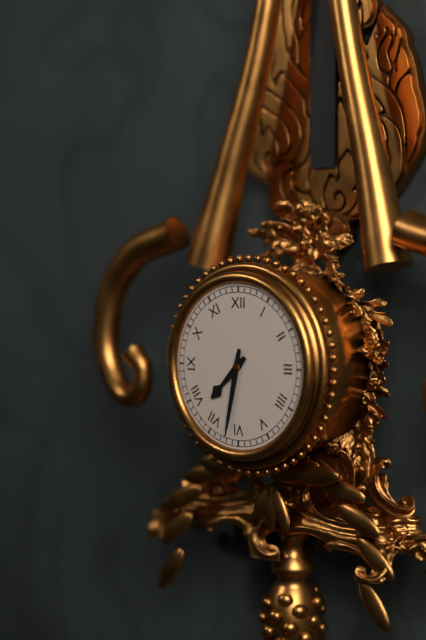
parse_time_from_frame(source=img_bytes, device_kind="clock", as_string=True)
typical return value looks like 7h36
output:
7h32
